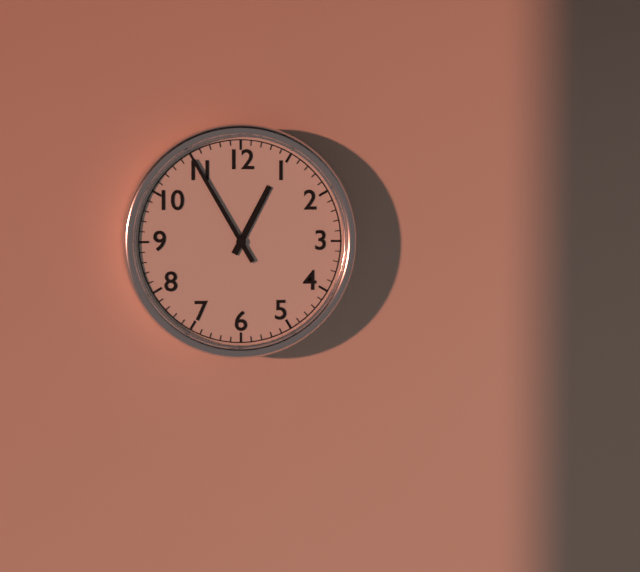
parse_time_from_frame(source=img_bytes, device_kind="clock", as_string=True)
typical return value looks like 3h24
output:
12h55
